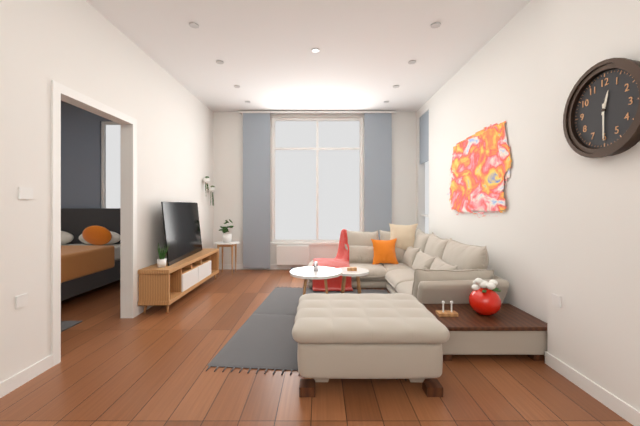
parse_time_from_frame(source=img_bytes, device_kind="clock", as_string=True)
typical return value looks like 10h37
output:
12h30
